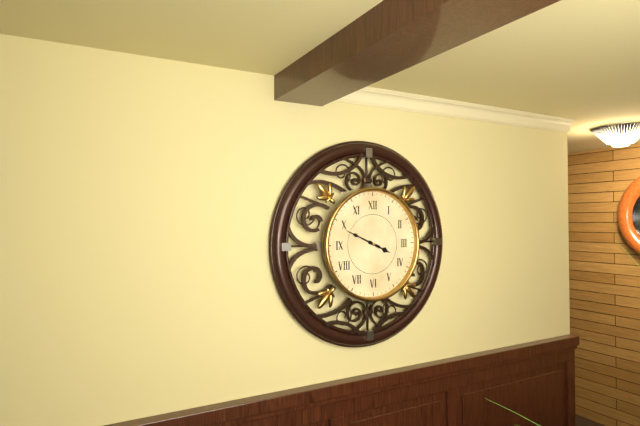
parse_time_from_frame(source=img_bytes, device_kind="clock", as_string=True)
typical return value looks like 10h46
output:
3h49
